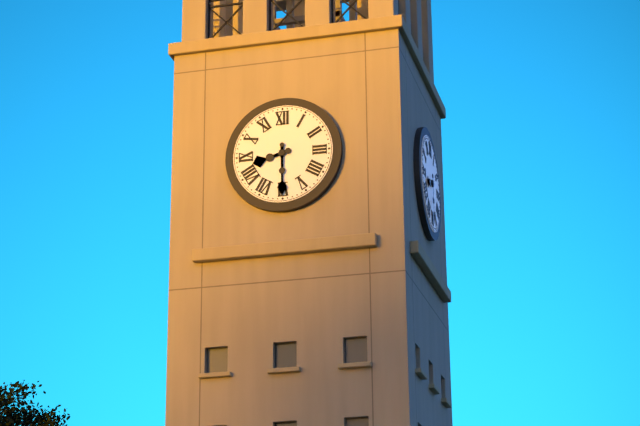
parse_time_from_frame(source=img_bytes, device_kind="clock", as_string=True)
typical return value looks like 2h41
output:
8h30
